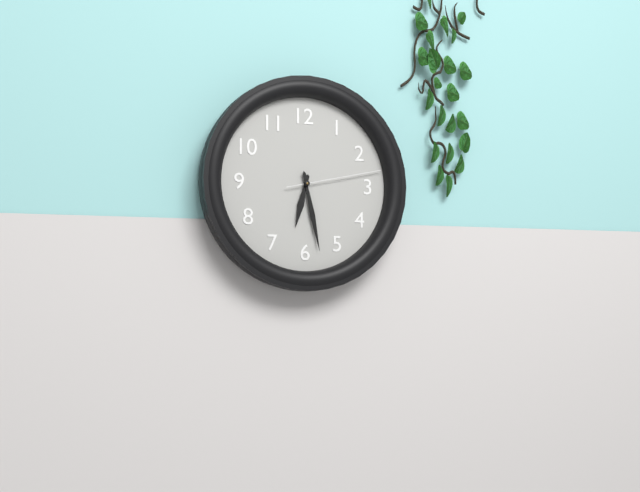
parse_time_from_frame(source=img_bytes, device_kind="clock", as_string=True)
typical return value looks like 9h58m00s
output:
6h28m13s
